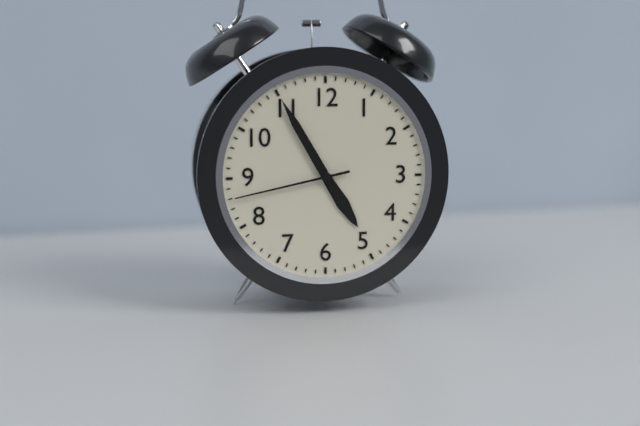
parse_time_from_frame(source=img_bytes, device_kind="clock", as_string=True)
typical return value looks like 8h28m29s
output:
4h55m43s
